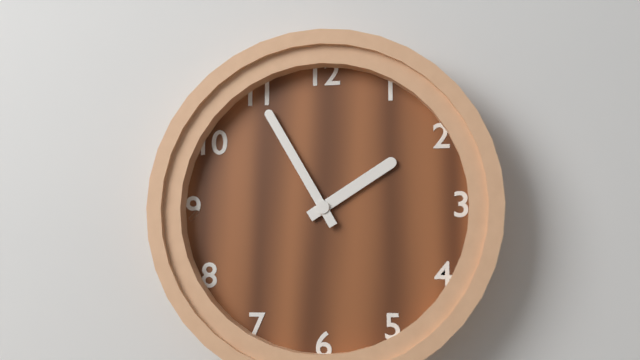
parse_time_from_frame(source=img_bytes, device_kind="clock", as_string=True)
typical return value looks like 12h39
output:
1h55
